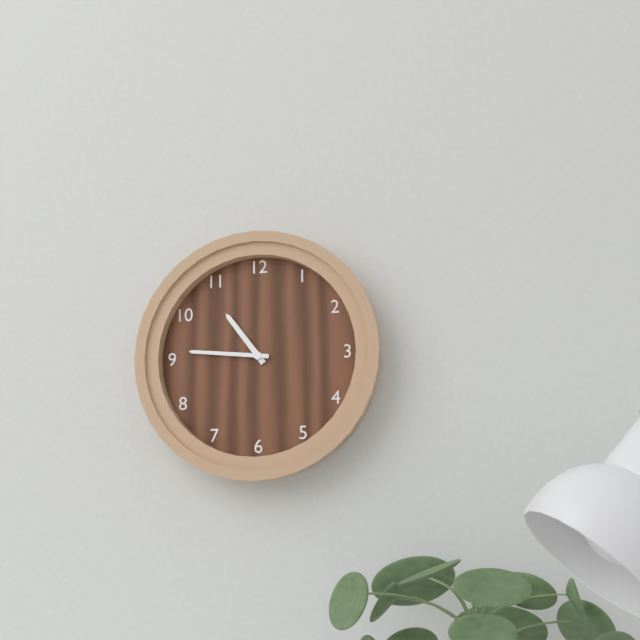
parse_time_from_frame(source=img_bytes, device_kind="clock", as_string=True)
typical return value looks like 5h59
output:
10h46
